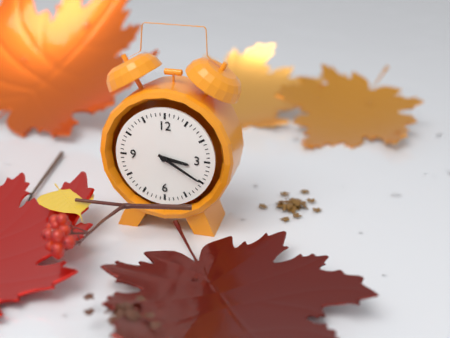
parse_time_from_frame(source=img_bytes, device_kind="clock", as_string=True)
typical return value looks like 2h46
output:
3h20
